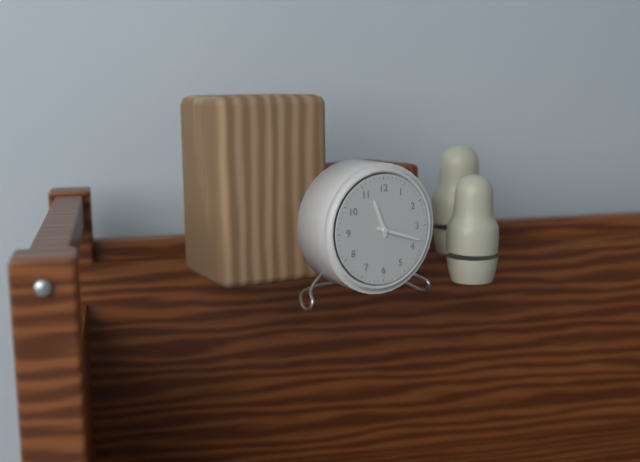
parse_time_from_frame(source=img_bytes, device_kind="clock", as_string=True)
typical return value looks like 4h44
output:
11h18
